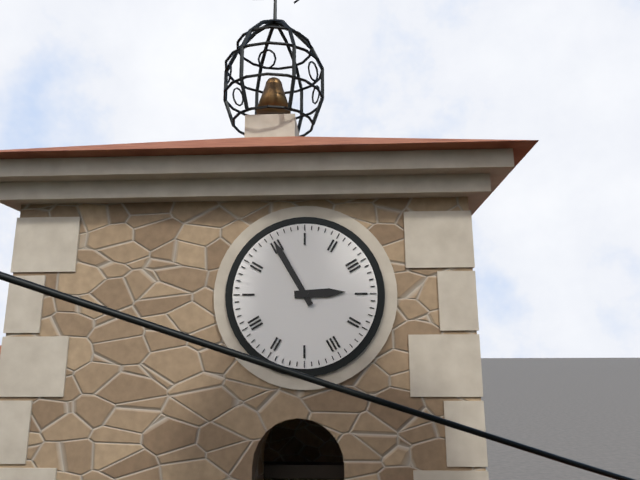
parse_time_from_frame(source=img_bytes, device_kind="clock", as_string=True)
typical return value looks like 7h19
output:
2h55
